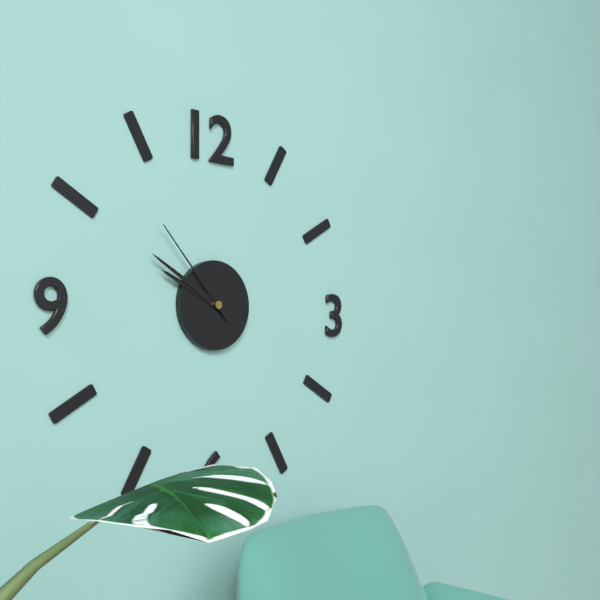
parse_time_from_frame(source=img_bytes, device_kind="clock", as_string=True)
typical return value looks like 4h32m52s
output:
9h50m53s
